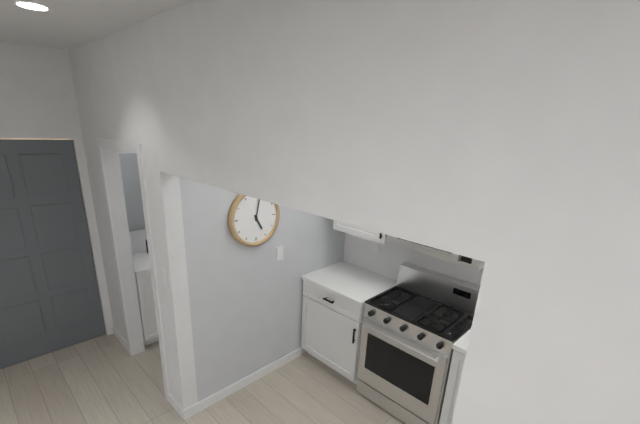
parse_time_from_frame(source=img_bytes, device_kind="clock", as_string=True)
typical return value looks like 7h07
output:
5h02
